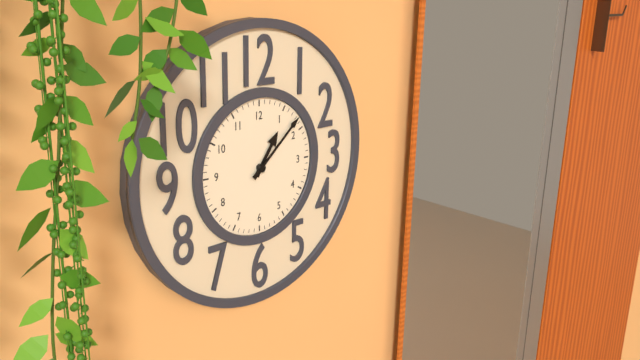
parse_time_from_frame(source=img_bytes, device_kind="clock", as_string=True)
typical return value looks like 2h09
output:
1h08
